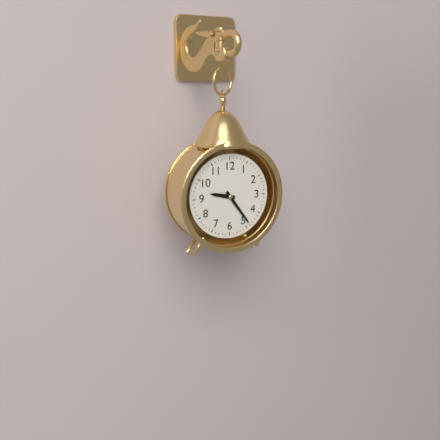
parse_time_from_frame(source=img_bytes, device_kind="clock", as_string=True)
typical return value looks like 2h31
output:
9h24
